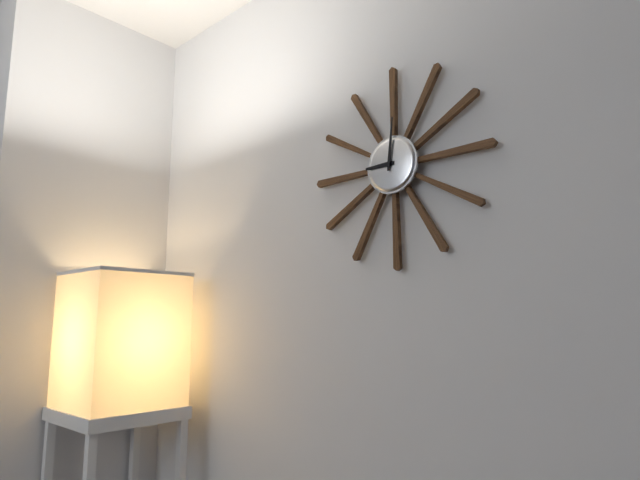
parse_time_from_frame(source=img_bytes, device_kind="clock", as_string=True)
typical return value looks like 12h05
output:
9h01
